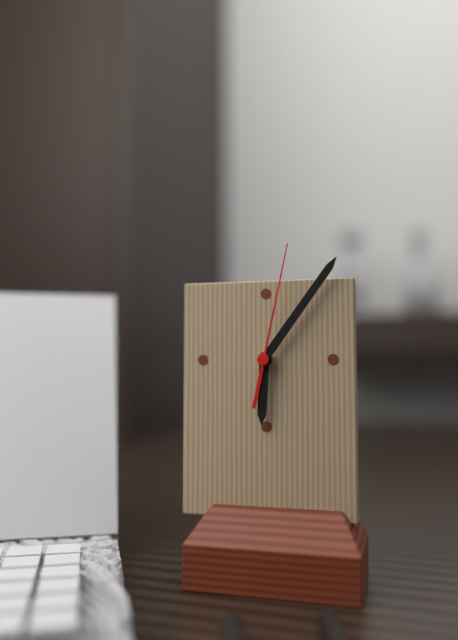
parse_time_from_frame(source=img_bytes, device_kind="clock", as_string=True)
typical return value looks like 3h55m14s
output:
6h06m02s
